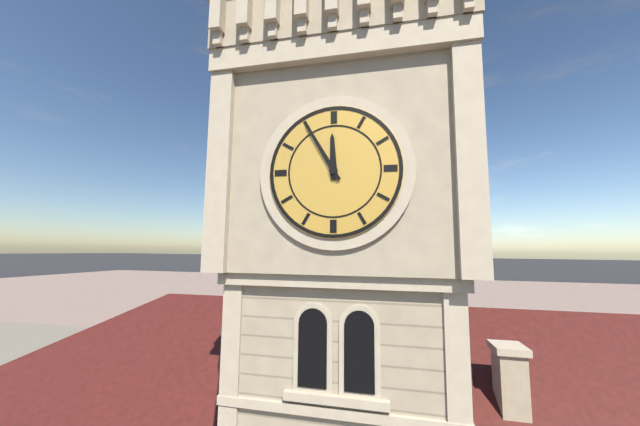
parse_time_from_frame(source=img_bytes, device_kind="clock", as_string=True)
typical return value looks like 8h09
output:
11h55
